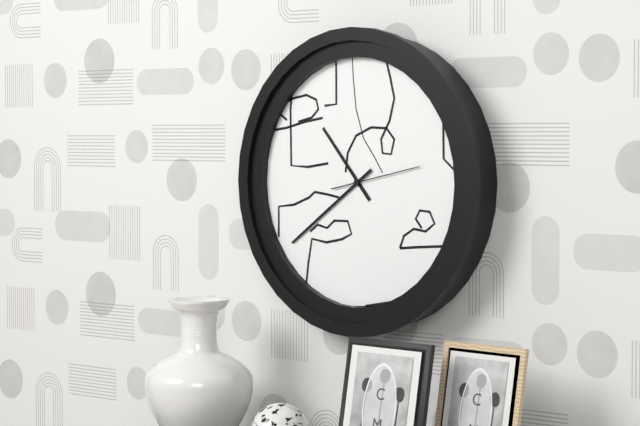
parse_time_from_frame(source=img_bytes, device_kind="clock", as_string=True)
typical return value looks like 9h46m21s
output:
10h39m13s
